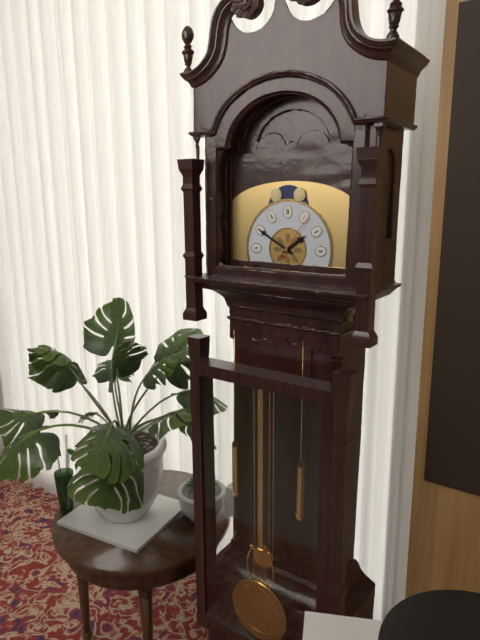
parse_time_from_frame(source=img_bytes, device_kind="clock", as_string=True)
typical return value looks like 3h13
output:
1h50
